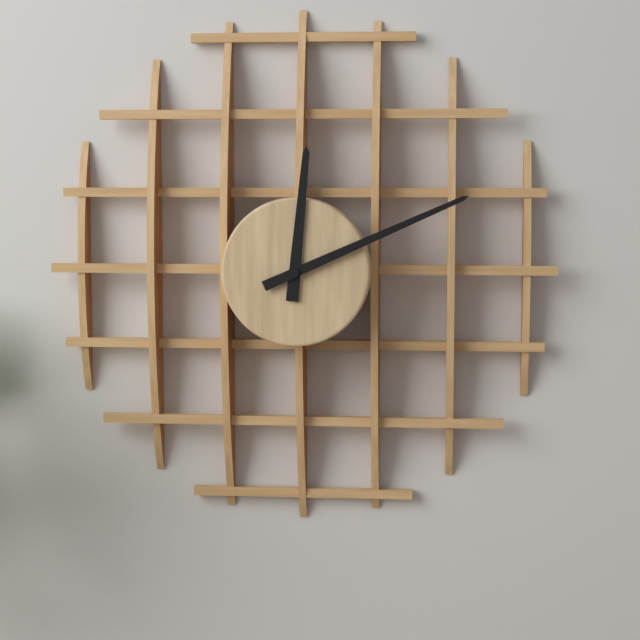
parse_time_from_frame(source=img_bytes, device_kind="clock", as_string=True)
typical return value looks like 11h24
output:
12h11
